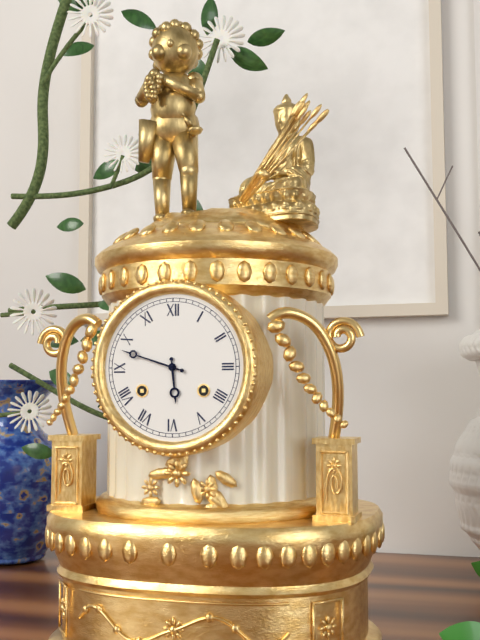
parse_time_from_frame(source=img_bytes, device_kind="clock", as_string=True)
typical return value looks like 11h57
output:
5h48
